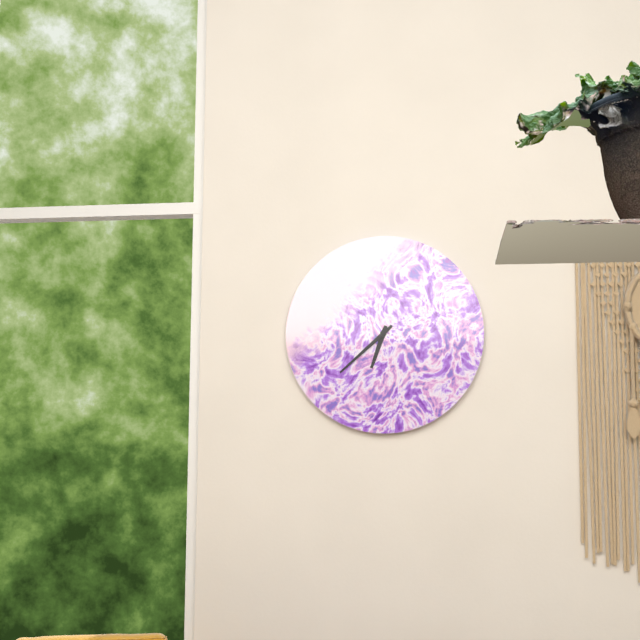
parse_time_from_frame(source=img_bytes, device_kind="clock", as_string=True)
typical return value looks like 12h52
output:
6h38
